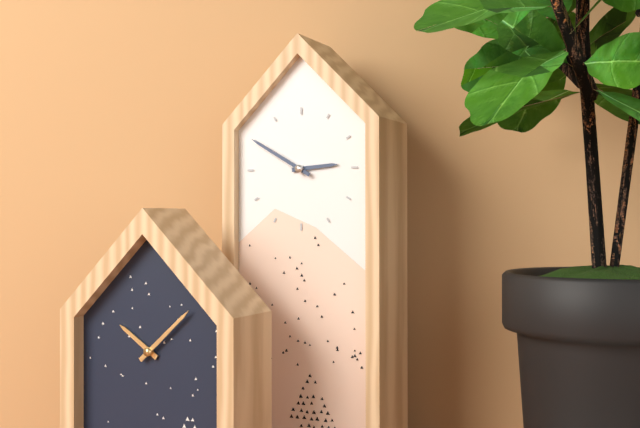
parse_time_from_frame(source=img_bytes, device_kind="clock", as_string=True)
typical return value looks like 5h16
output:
2h50
